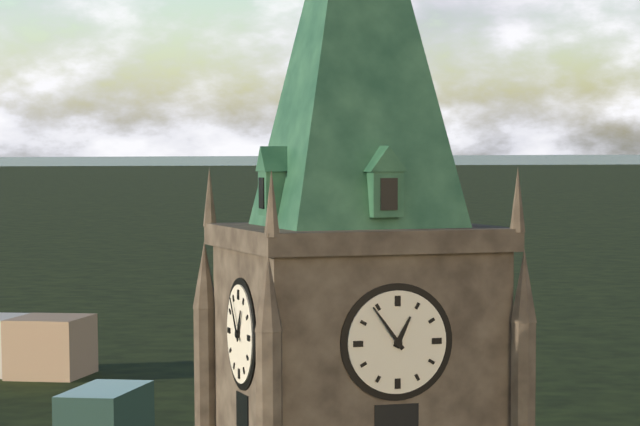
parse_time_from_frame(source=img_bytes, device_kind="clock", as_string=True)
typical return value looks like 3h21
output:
12h54
